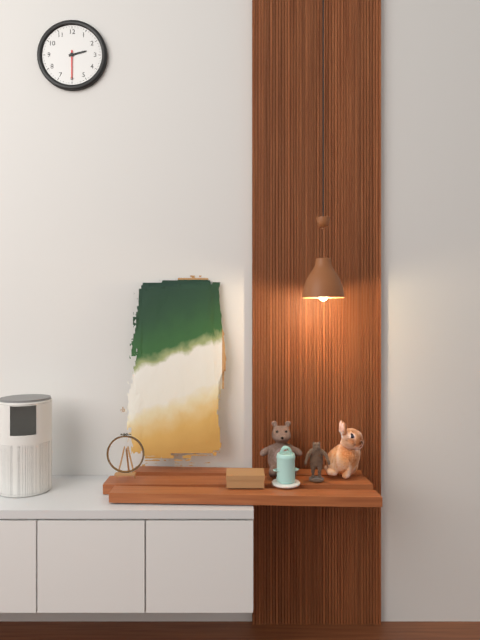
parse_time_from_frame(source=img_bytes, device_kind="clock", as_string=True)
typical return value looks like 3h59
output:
2h30
